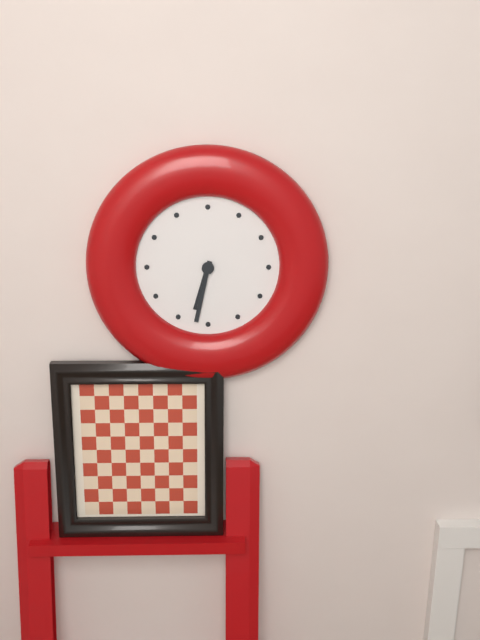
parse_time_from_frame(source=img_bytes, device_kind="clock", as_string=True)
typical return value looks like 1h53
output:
6h32
